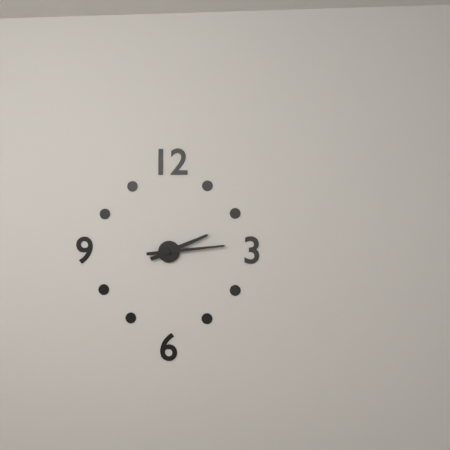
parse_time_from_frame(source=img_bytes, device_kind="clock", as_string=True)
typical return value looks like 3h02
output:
2h14
